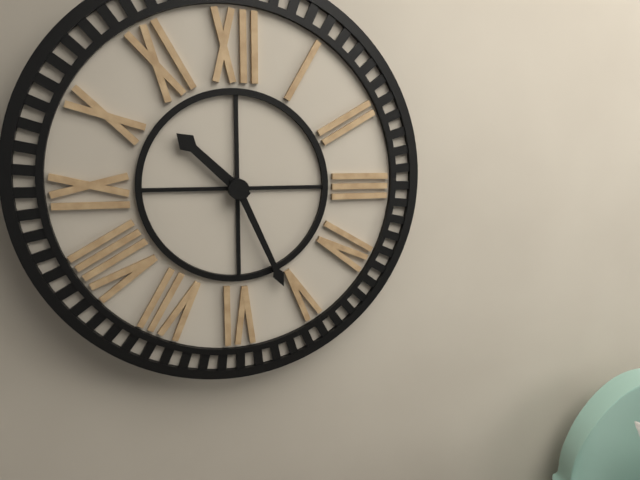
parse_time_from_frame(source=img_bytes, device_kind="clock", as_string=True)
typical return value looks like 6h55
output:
10h26
